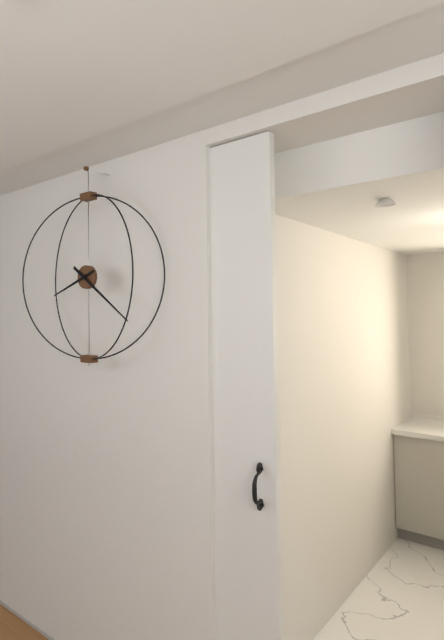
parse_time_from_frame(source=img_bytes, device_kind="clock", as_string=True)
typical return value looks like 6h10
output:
8h21
